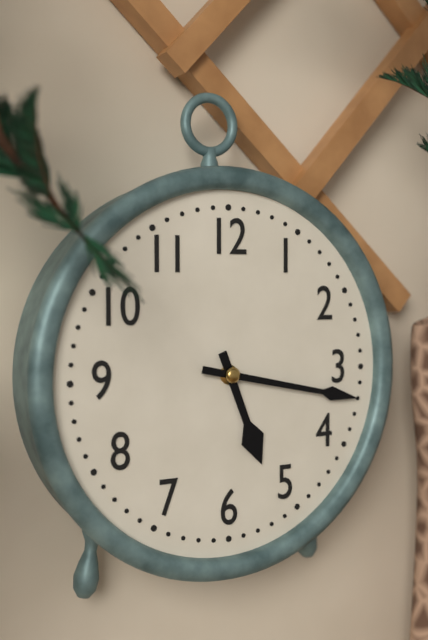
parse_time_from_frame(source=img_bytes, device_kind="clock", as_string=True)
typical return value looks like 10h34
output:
5h17
